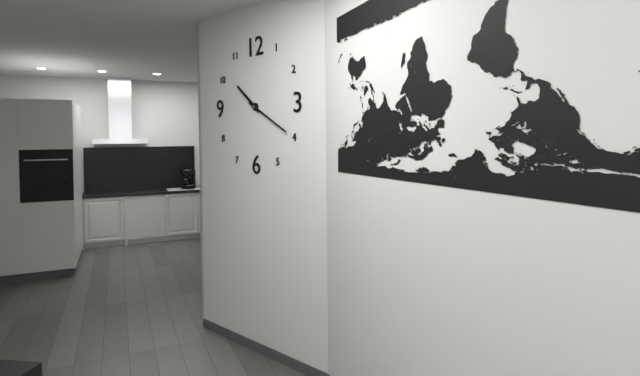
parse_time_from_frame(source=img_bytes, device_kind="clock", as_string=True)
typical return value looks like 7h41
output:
10h20
